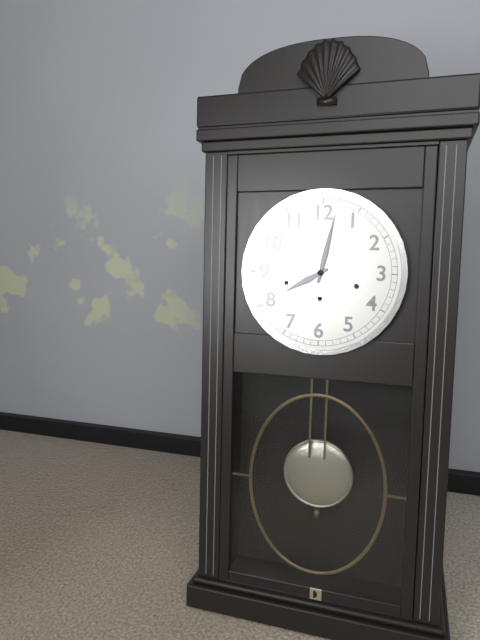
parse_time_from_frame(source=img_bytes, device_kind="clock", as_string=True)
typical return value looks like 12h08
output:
8h02
